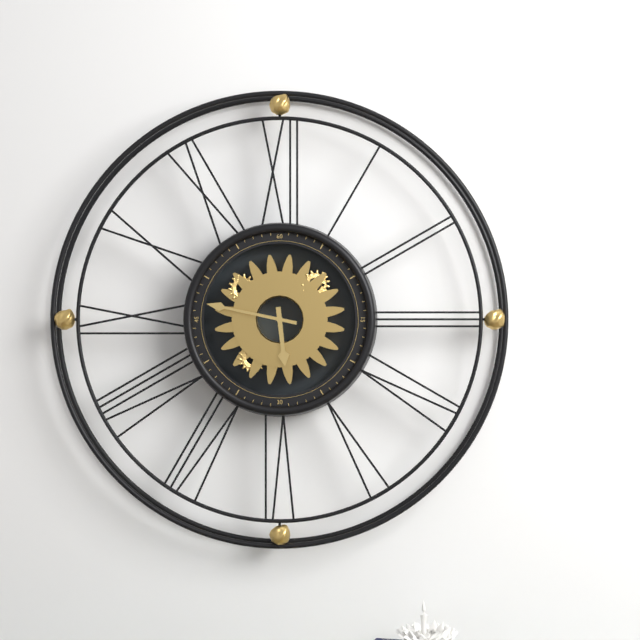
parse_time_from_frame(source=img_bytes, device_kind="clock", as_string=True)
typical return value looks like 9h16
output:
5h47
